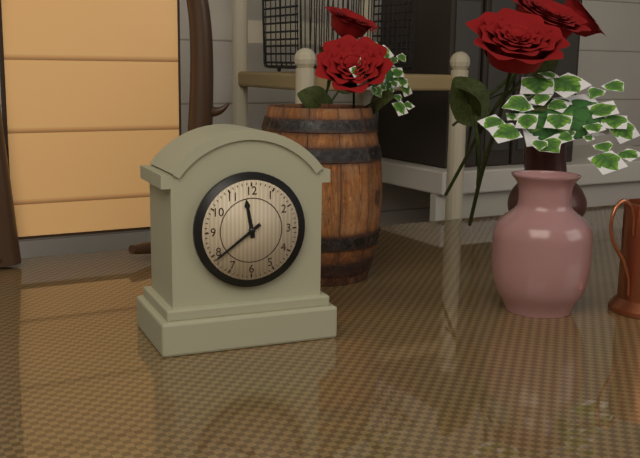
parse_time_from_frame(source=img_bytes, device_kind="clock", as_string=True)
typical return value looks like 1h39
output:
11h39
